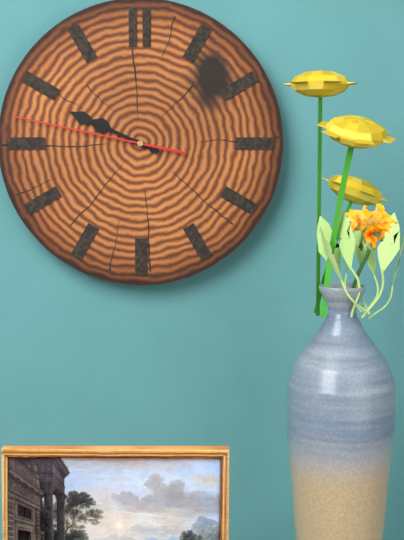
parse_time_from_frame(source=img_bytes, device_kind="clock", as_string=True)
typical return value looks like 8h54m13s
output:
9h49m47s
